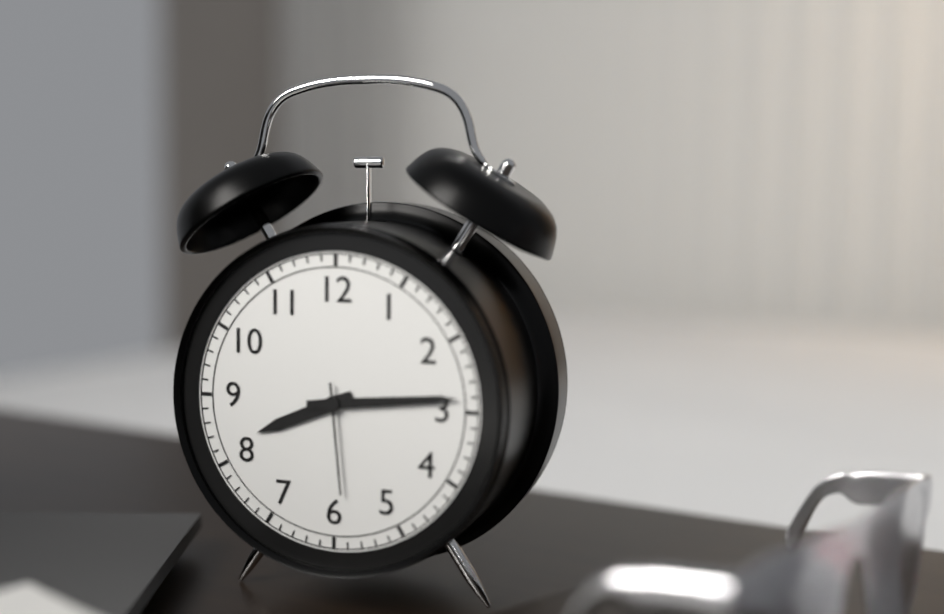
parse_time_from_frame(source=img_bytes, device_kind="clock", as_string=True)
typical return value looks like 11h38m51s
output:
8h14m29s
